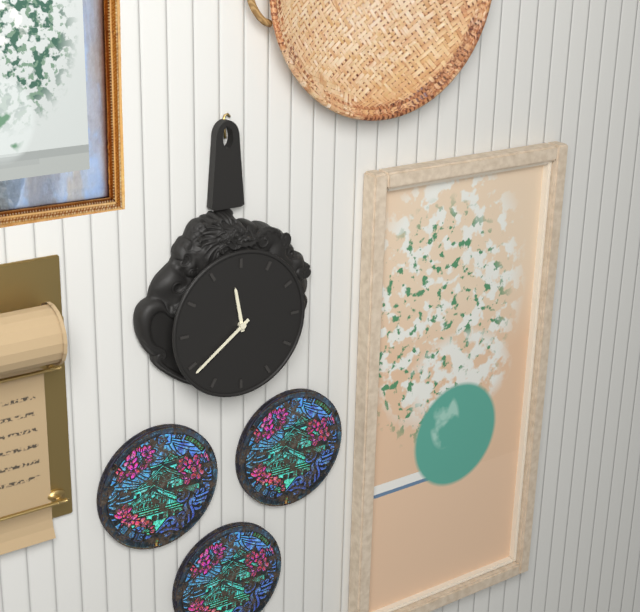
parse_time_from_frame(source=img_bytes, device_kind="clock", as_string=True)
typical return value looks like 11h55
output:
11h39
